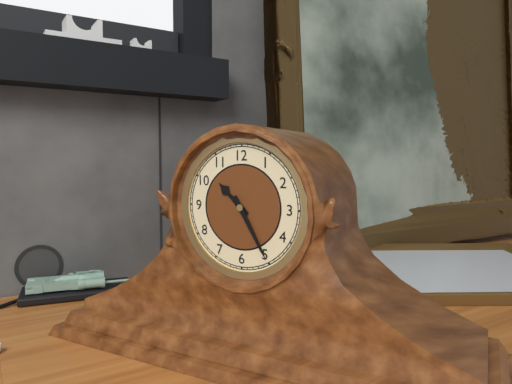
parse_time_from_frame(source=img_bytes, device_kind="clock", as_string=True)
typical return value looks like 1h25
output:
10h25
